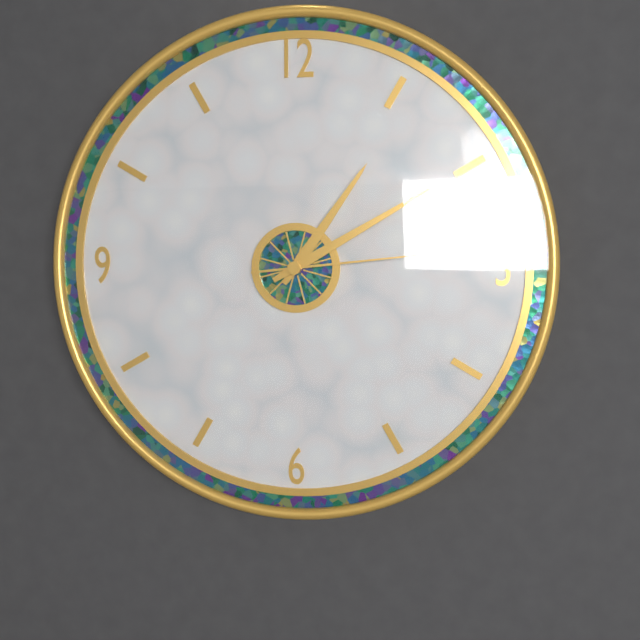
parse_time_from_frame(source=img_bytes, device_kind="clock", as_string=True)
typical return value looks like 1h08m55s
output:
1h10m14s
